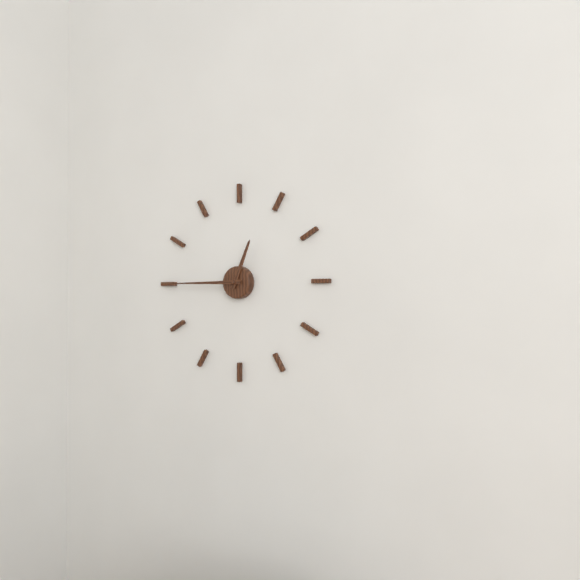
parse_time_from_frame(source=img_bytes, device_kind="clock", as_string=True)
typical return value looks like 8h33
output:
12h45
